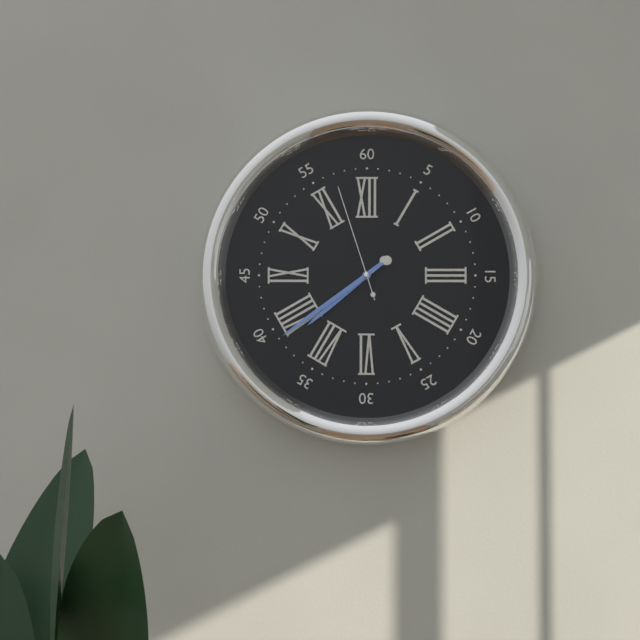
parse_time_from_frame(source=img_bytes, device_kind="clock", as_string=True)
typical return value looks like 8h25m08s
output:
7h39m57s
